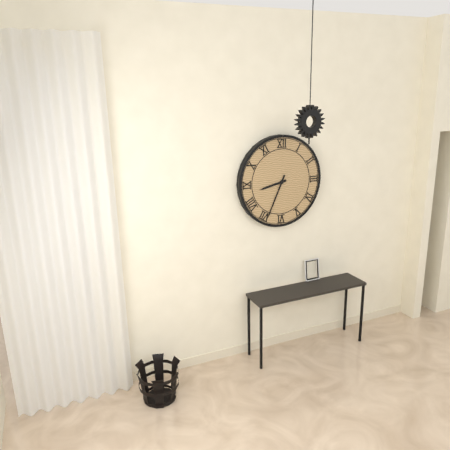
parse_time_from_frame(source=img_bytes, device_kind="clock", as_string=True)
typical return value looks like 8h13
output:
8h34
